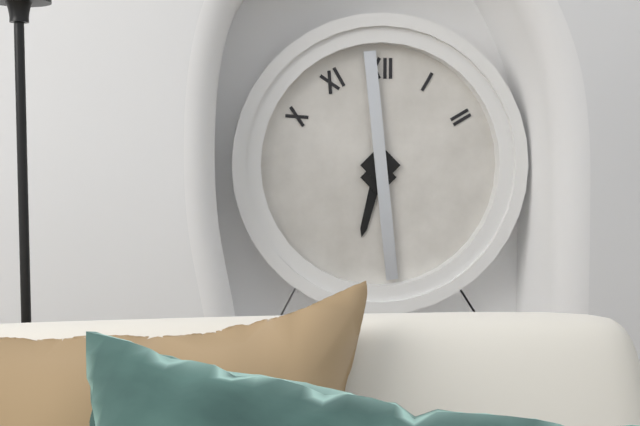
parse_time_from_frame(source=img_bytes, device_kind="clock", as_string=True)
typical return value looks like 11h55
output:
6h29
